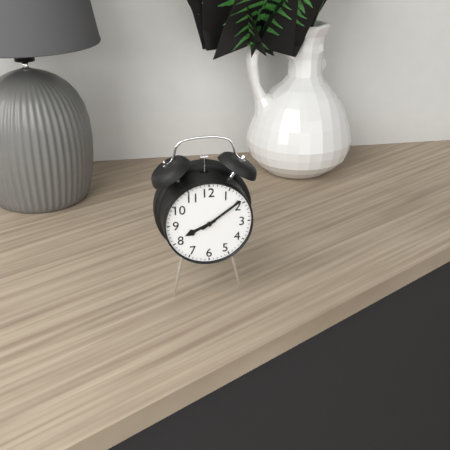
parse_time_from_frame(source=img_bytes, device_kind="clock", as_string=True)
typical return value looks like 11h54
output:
8h09
